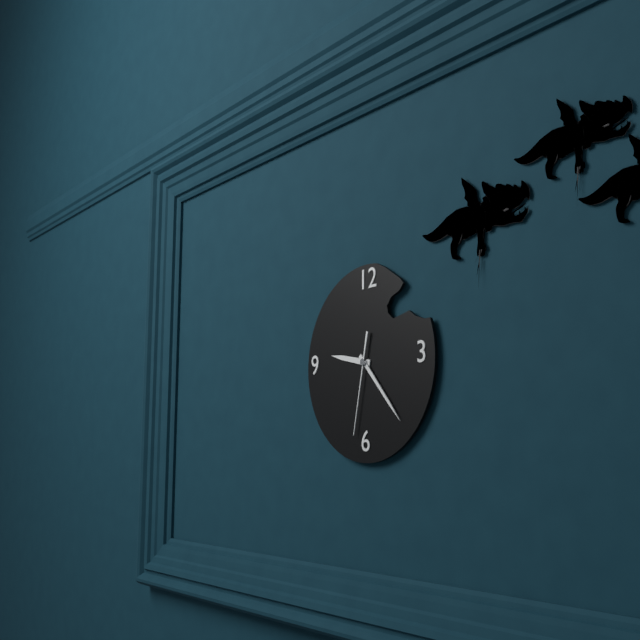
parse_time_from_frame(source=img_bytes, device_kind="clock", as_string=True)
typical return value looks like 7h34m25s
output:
9h23m32s
